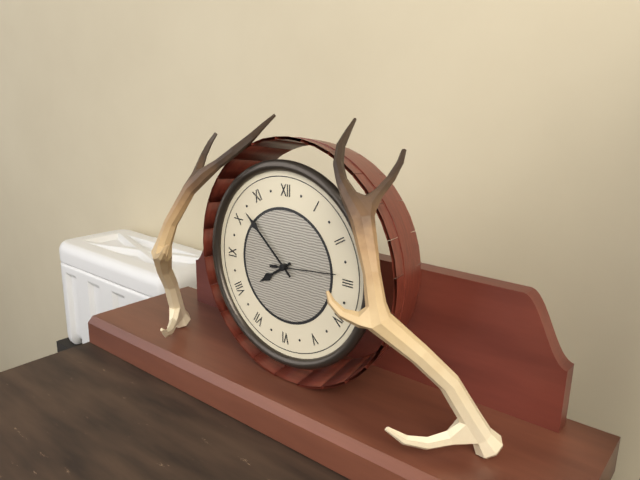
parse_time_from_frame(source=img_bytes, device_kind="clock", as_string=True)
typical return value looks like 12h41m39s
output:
7h52m14s
